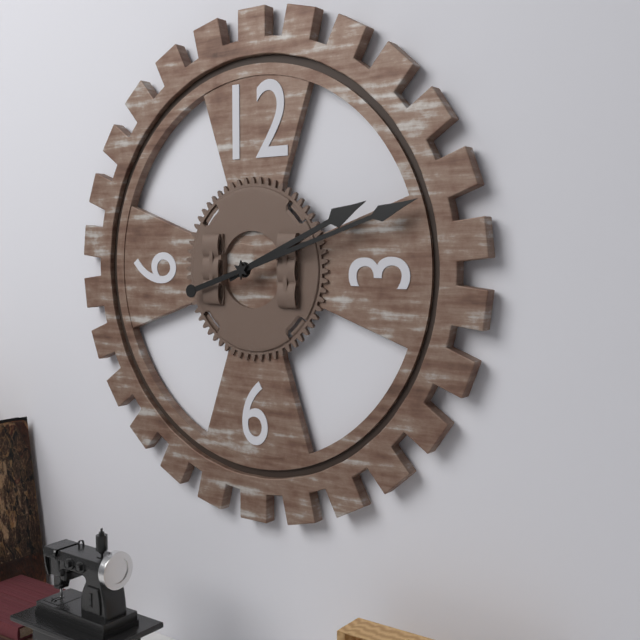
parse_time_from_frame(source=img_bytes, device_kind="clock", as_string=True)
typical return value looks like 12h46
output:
2h12
